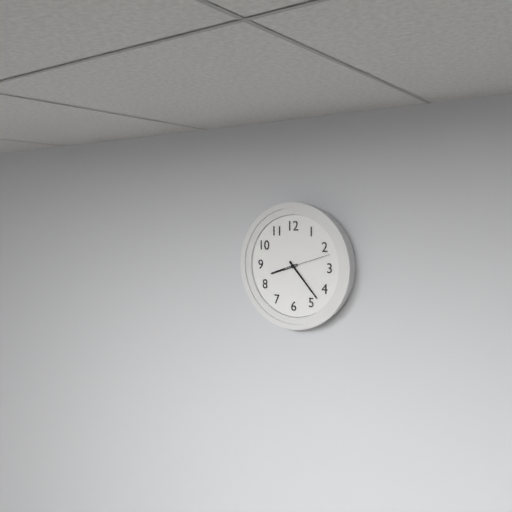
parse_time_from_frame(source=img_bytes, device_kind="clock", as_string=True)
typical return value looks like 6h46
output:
8h23
